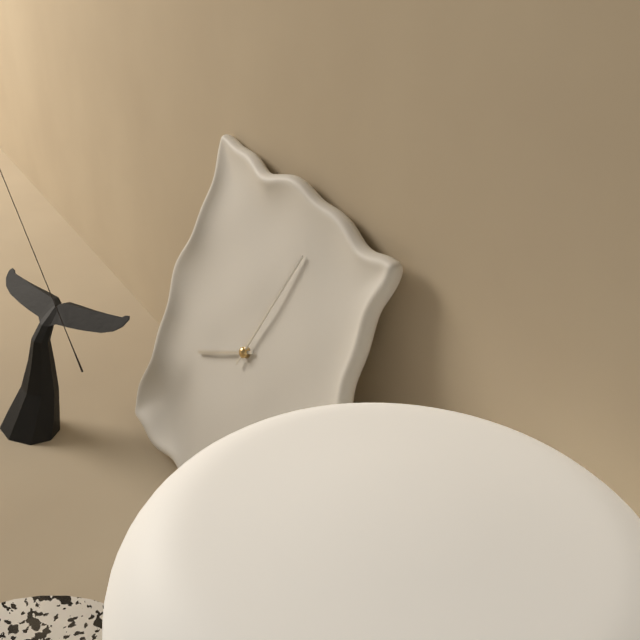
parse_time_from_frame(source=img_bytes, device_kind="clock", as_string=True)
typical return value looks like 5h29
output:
8h03
